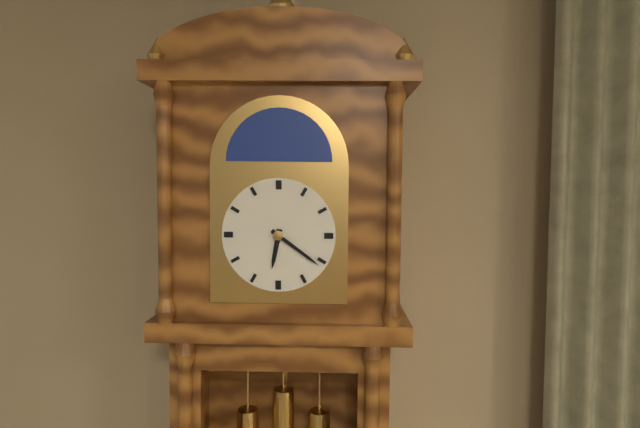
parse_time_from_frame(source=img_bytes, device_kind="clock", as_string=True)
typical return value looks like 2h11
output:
6h21
